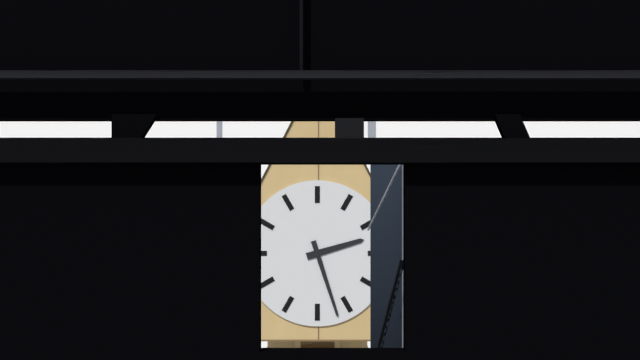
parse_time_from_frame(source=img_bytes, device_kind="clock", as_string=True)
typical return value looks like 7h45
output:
2h27
